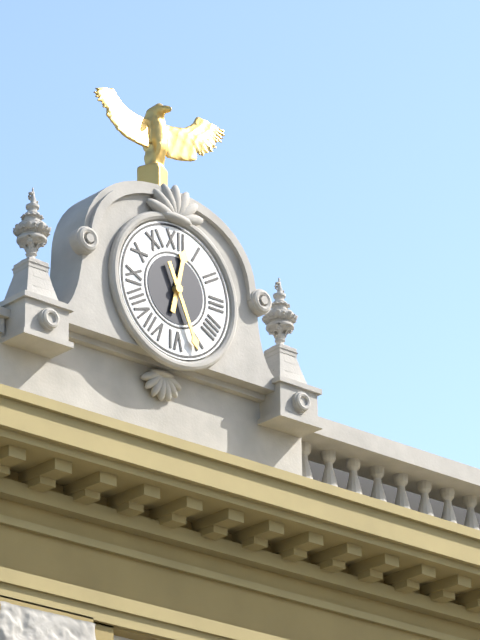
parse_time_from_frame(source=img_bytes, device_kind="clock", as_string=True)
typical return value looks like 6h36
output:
12h26
